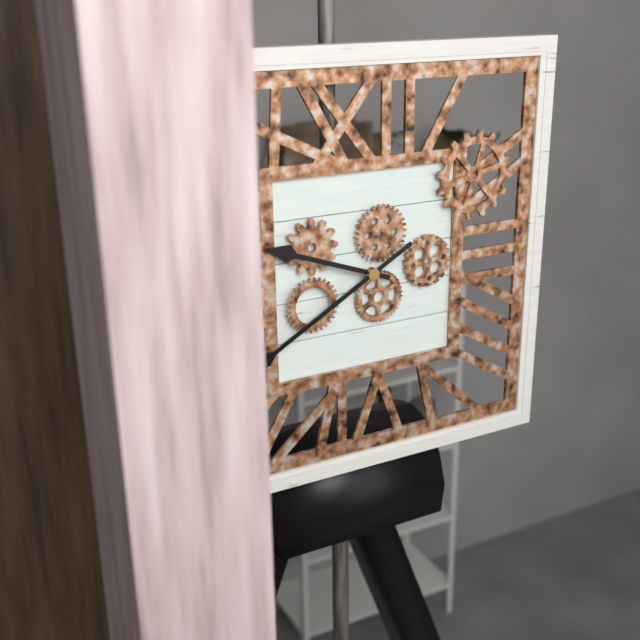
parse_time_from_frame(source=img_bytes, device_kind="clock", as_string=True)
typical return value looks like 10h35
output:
9h40
